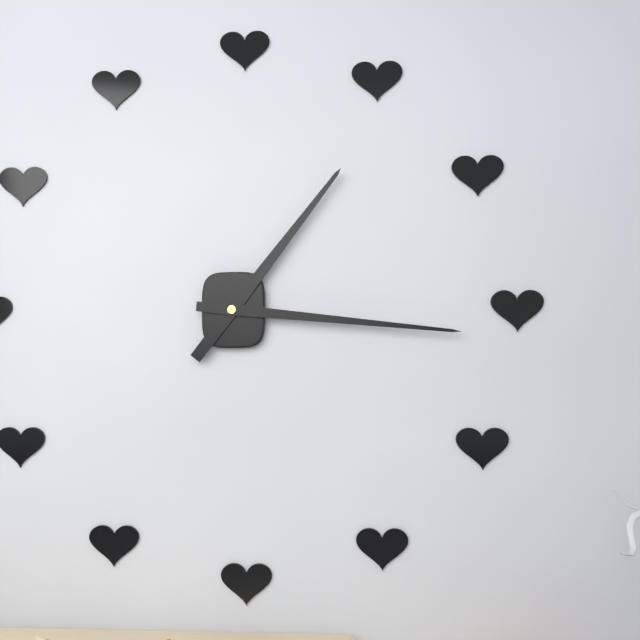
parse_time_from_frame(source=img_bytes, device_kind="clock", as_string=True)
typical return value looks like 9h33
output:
1h16
